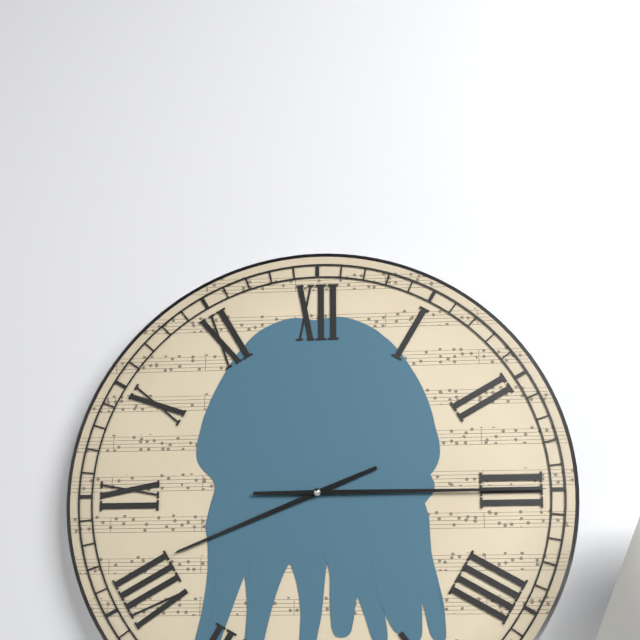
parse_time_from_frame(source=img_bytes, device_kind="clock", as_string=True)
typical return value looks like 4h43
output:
8h15
